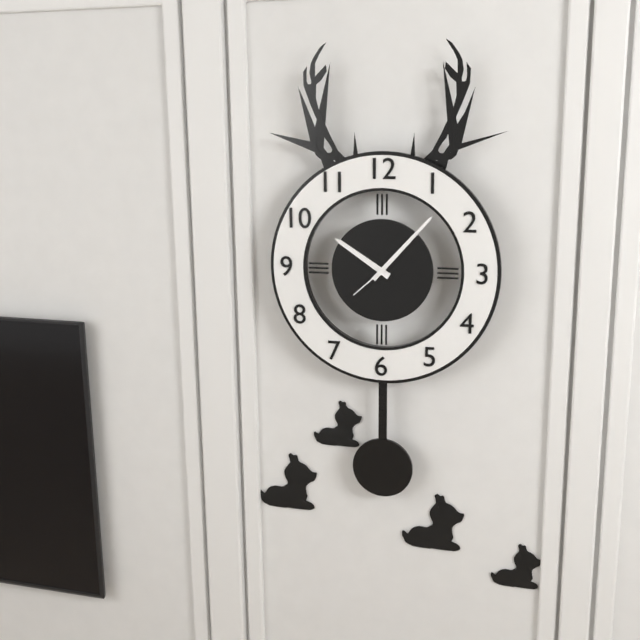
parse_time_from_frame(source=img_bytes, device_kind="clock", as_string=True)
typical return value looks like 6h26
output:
10h07
